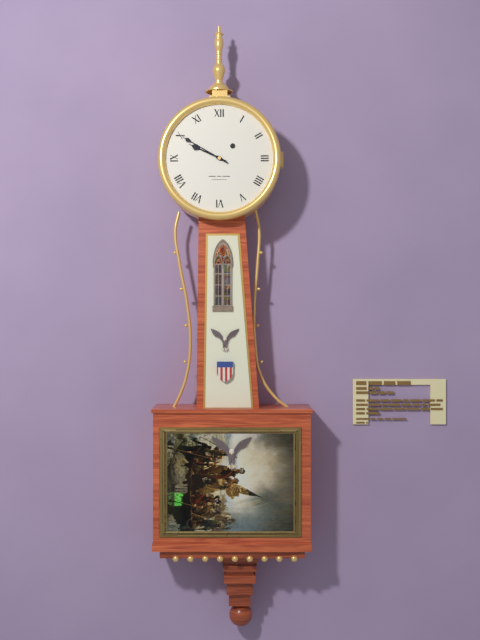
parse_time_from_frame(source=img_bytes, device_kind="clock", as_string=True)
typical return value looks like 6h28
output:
9h50
